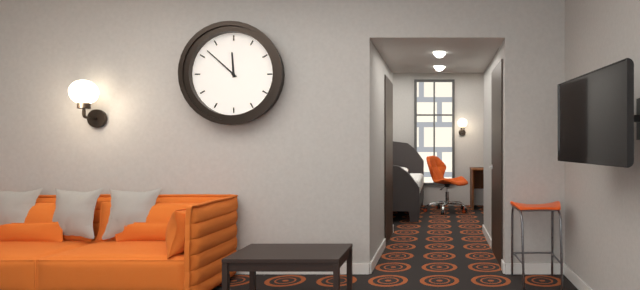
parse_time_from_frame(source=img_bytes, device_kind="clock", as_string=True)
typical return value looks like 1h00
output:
11h52
